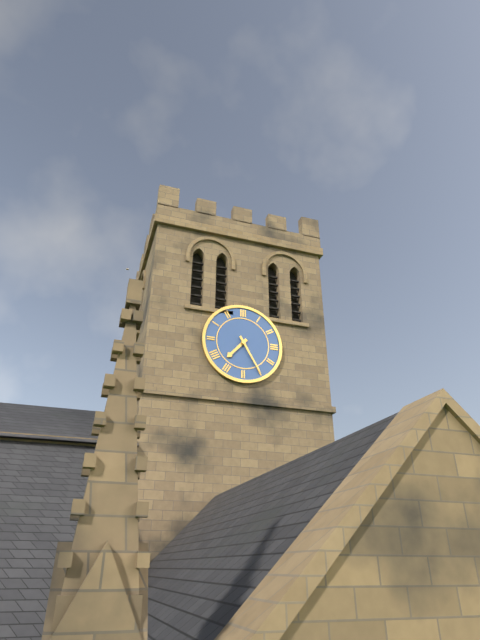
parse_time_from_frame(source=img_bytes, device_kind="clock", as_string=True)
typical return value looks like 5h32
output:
7h25
